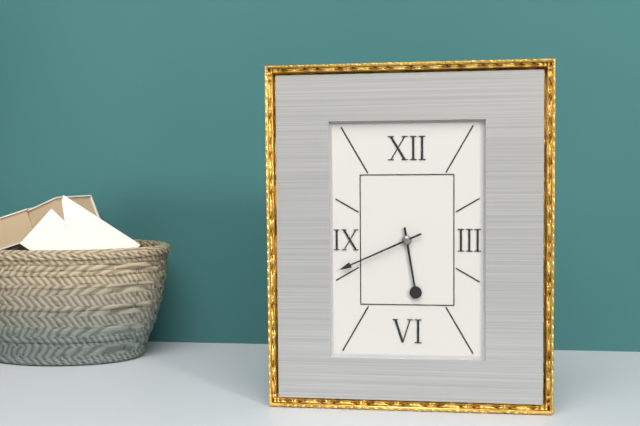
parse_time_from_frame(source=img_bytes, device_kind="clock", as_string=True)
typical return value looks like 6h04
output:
5h41
